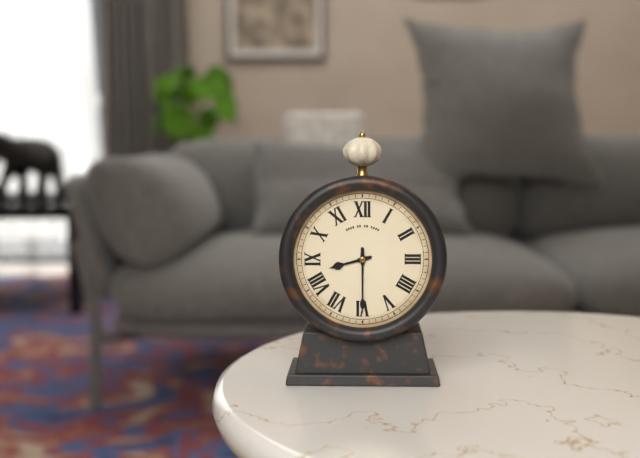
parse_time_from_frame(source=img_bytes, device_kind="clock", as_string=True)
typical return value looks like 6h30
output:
8h30
